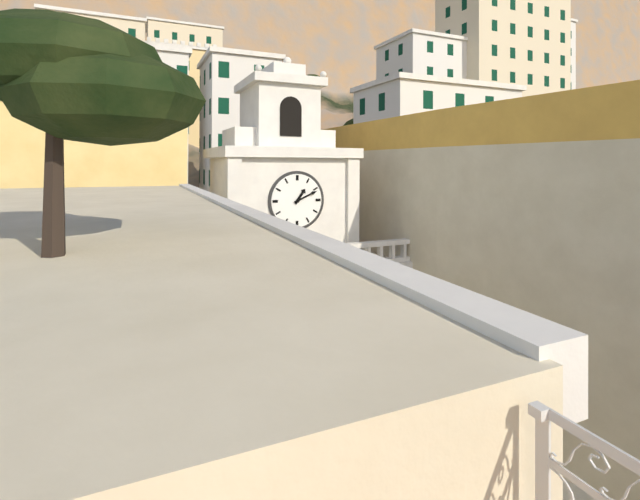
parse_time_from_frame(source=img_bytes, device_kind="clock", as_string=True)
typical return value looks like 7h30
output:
1h11
